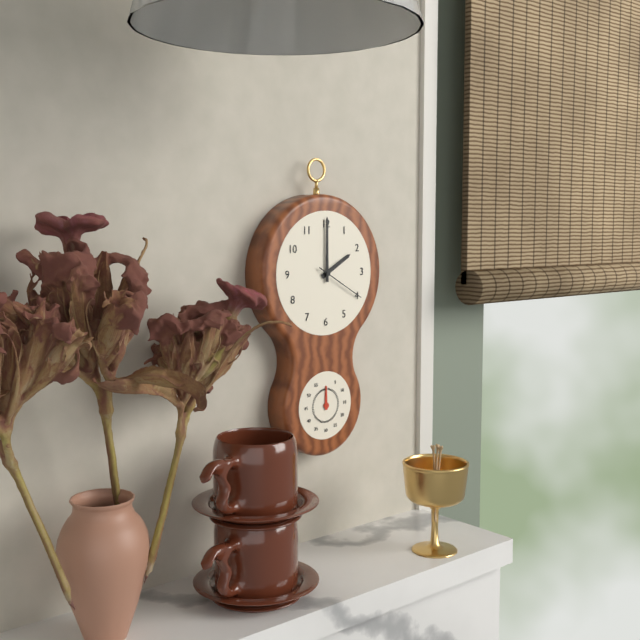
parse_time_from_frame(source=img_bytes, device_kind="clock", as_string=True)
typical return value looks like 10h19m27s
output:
2h00m20s
